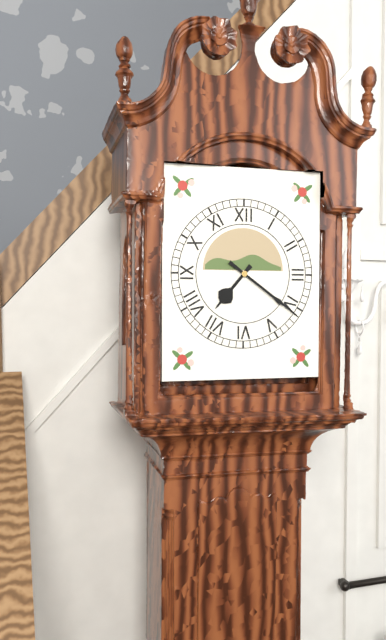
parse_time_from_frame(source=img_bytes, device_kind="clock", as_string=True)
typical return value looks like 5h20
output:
7h21
